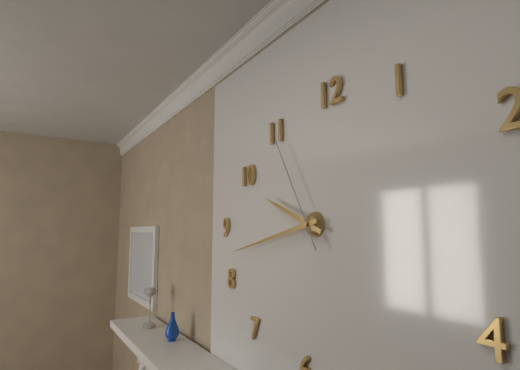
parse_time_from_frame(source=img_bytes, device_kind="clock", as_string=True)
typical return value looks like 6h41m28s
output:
9h43m55s
